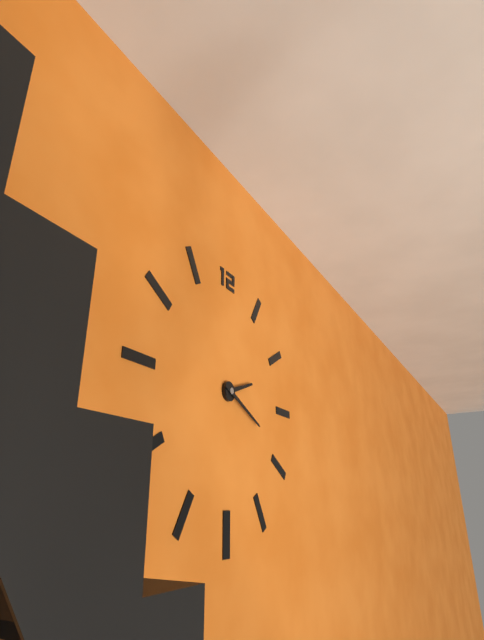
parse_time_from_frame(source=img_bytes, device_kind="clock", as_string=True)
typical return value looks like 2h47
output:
2h19
